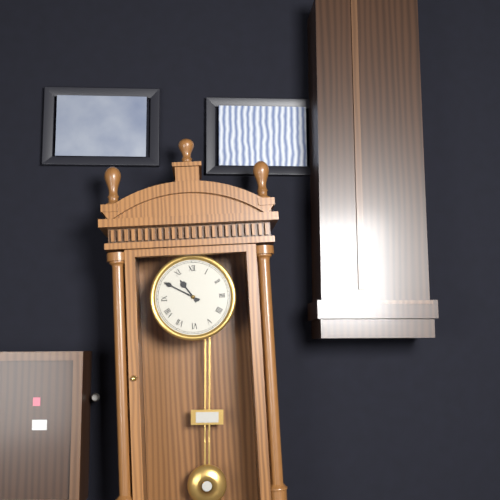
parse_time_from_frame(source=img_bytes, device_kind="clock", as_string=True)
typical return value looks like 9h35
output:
10h50
